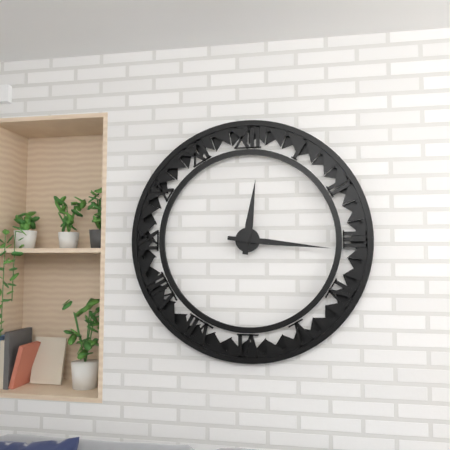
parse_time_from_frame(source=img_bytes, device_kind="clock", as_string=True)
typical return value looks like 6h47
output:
12h16
